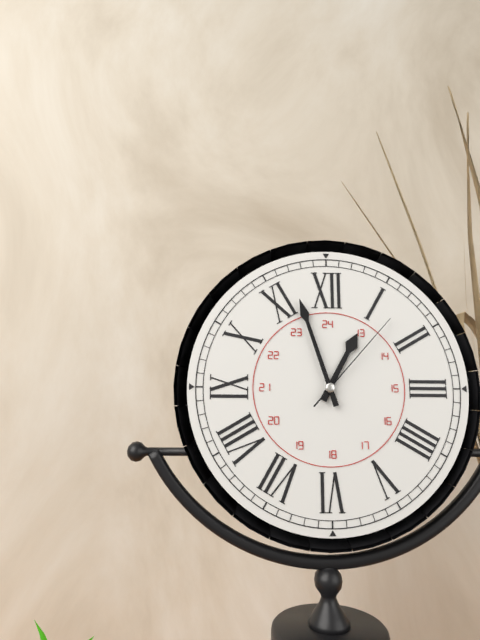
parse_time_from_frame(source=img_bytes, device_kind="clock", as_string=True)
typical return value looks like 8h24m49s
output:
12h57m07s
